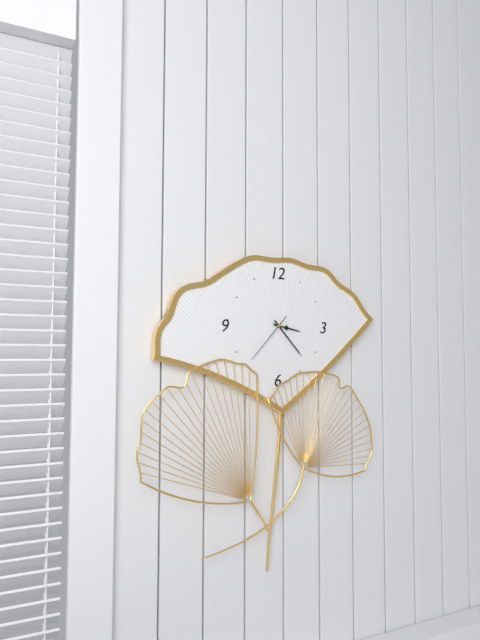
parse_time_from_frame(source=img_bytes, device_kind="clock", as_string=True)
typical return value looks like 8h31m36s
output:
3h23m37s
